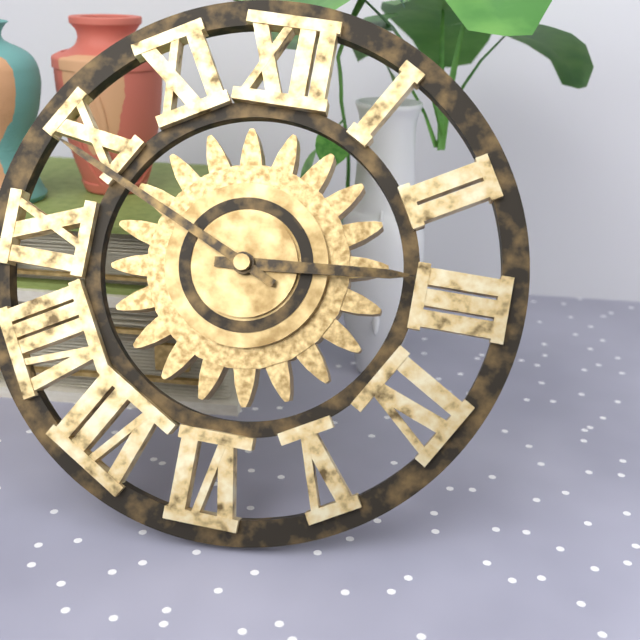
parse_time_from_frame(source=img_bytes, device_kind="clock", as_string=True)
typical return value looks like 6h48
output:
2h49
